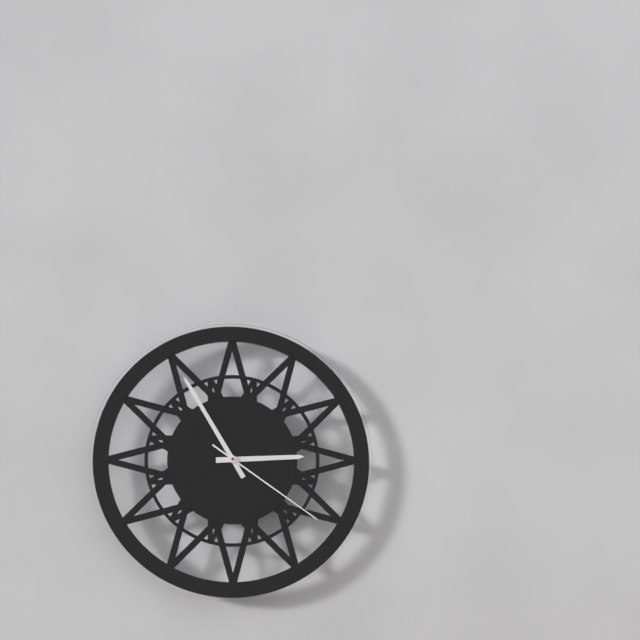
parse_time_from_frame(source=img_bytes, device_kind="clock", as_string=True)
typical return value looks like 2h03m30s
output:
2h55m21s
